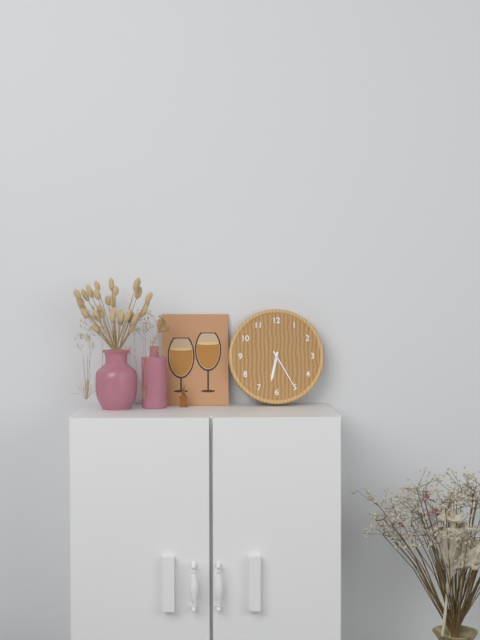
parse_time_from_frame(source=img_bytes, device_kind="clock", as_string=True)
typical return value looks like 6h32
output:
6h25
